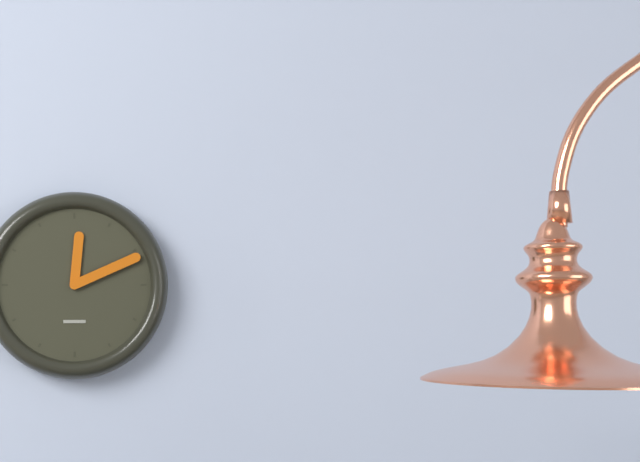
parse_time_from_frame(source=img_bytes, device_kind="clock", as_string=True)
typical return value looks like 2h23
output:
12h11
